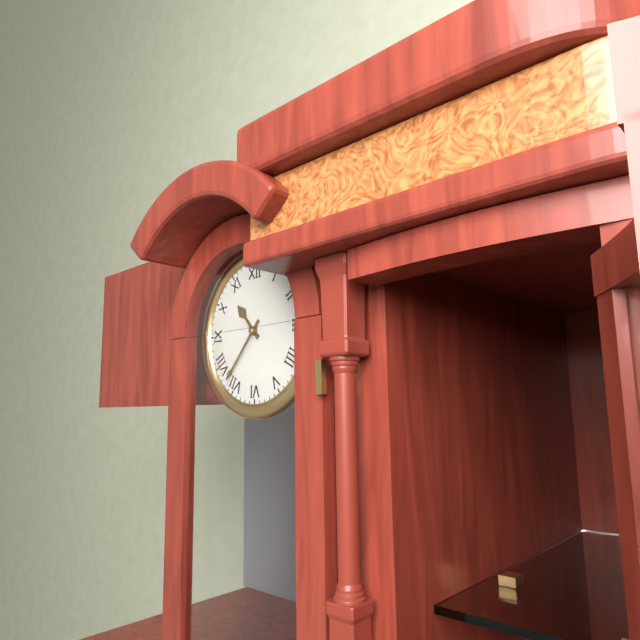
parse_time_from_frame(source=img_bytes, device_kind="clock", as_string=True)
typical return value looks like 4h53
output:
10h37
